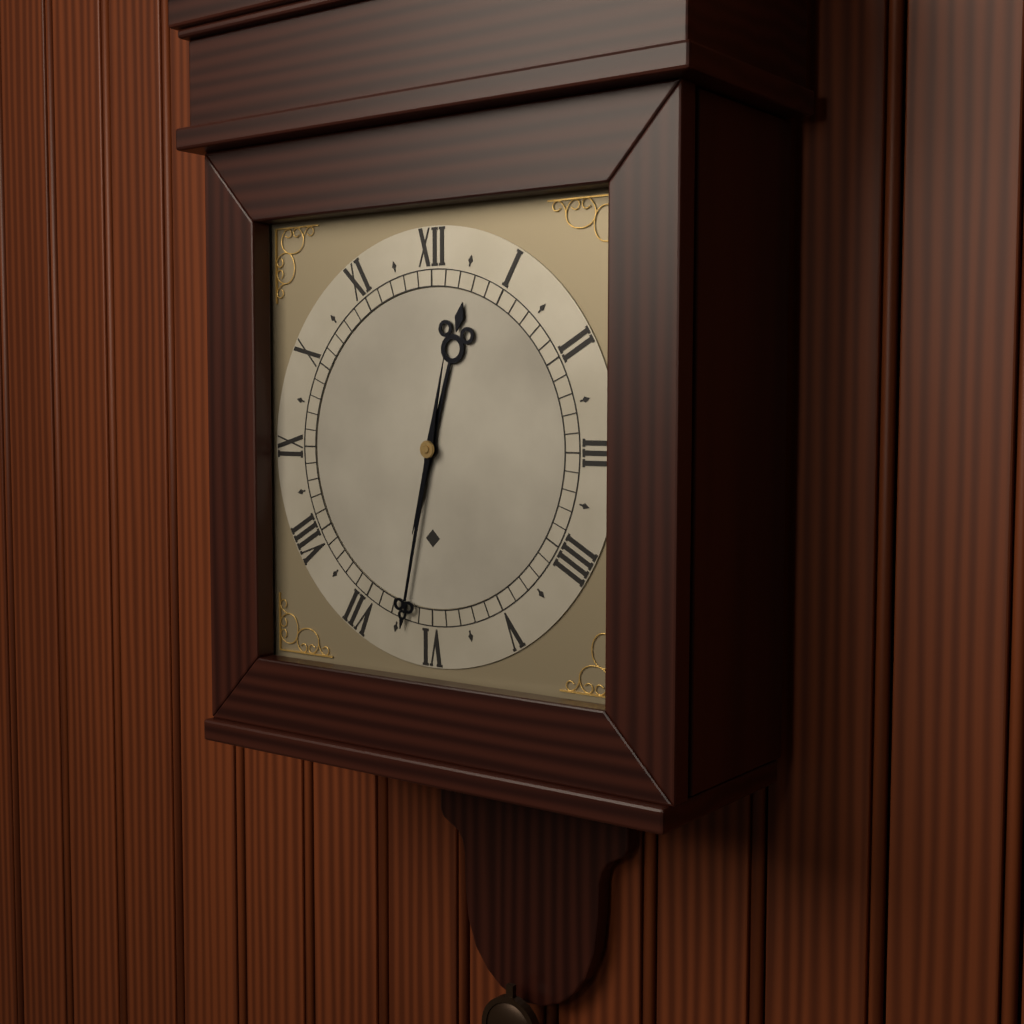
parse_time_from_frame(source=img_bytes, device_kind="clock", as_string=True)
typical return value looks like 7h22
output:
12h32
